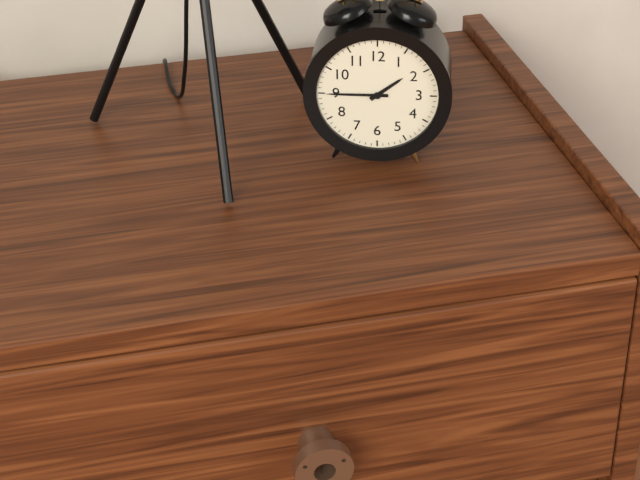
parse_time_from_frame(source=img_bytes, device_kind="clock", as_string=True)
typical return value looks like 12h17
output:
1h45
